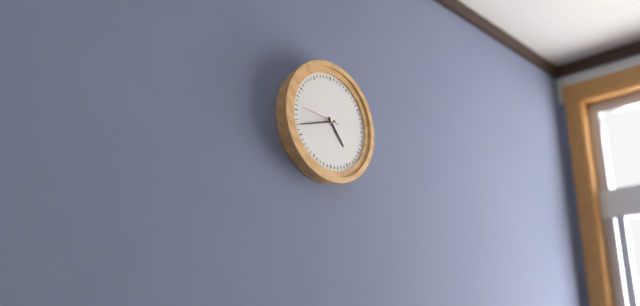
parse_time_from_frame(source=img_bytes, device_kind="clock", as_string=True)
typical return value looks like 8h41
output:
4h42
